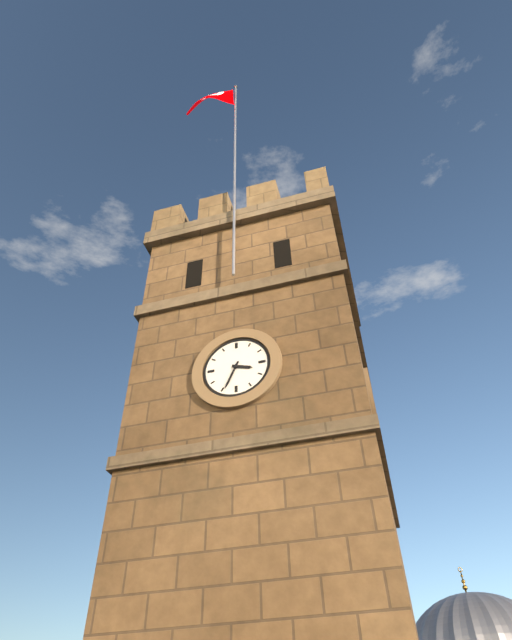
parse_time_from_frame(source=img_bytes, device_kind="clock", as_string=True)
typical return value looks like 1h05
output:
3h34
